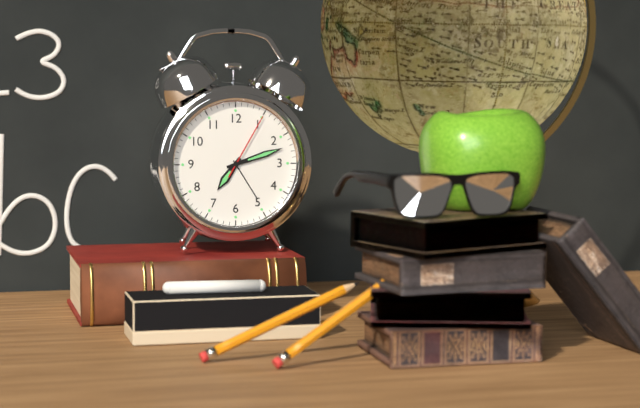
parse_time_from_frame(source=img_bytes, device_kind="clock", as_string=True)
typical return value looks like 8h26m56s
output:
7h12m05s
